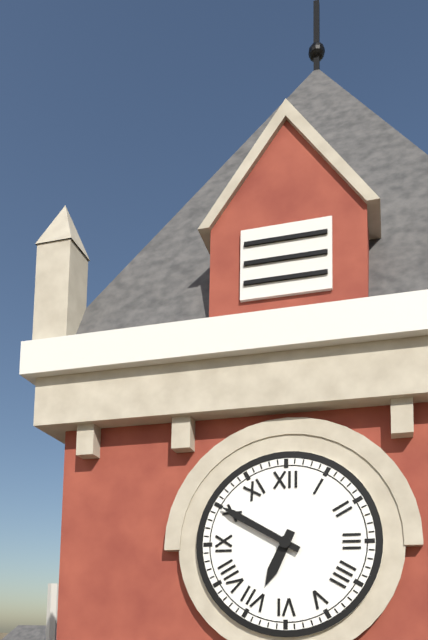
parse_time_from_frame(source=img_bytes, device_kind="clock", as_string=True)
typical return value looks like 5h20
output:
6h50
